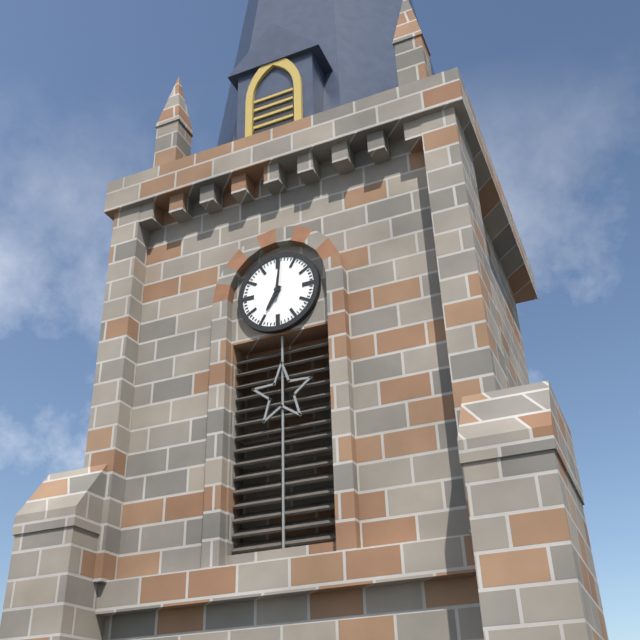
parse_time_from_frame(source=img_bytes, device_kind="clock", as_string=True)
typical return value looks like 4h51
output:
7h01
